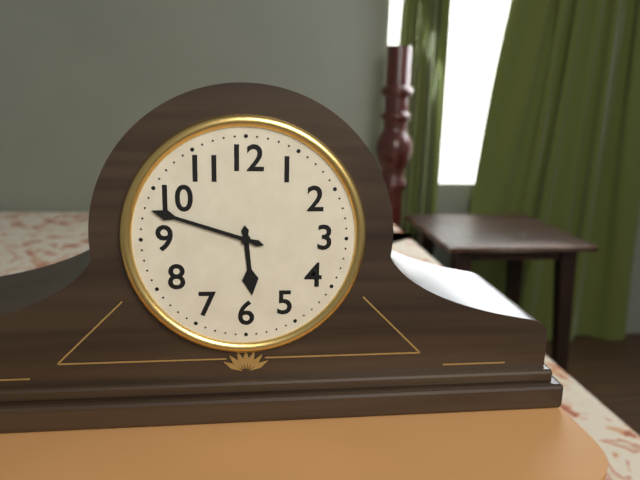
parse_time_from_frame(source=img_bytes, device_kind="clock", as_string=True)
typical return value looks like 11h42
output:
5h48
